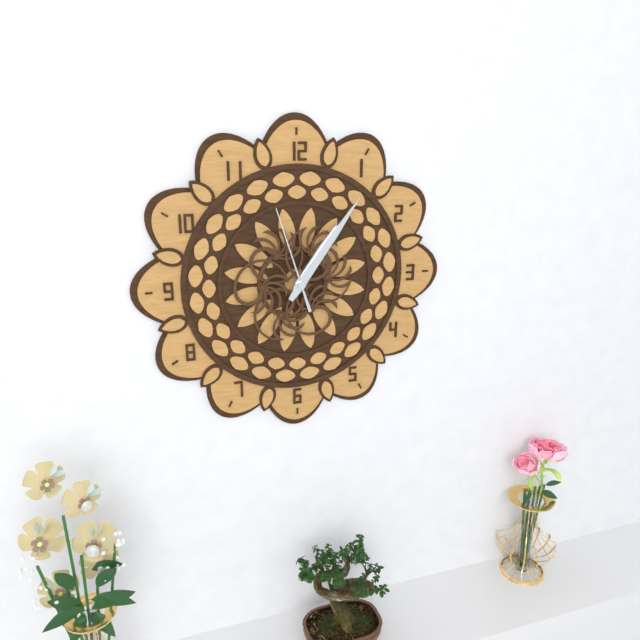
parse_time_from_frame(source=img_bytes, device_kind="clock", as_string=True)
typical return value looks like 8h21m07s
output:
1h06m57s
